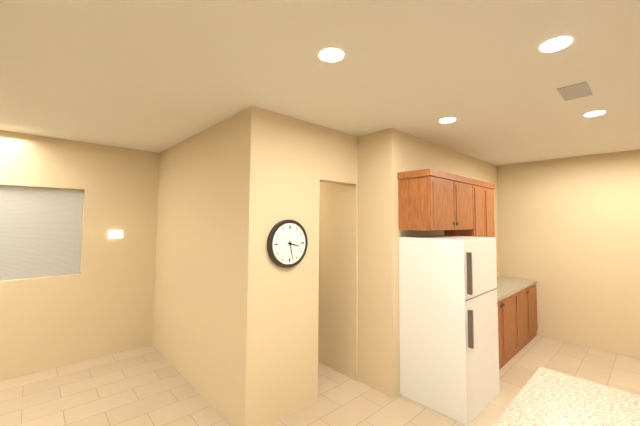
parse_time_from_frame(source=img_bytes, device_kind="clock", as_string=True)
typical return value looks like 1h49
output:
3h28
